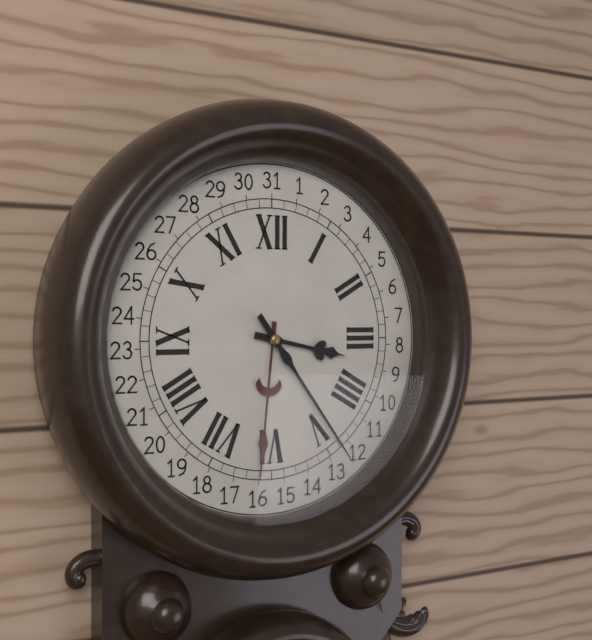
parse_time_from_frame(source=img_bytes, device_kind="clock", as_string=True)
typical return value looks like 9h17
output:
3h24
